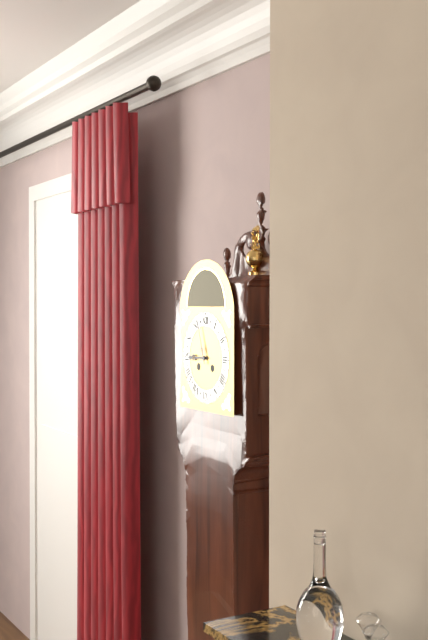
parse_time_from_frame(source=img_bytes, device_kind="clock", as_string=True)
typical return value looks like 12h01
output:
8h57
